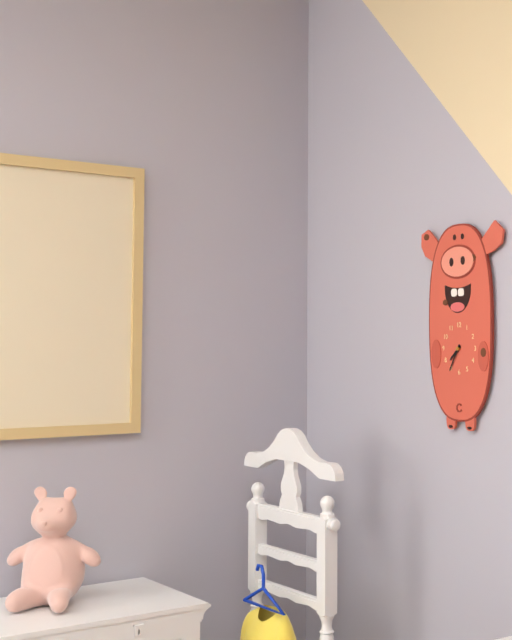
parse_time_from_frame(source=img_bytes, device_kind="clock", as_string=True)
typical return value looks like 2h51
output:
7h35
